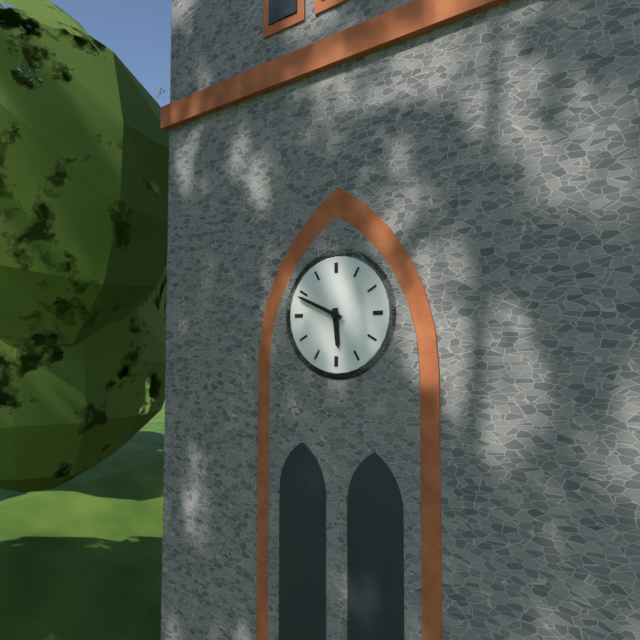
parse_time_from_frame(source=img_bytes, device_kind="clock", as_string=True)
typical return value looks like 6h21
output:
5h49
